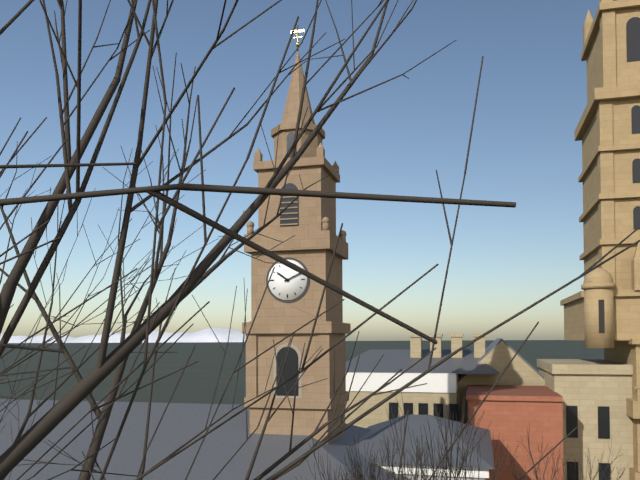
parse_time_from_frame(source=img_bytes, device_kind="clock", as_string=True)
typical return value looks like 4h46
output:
10h11
